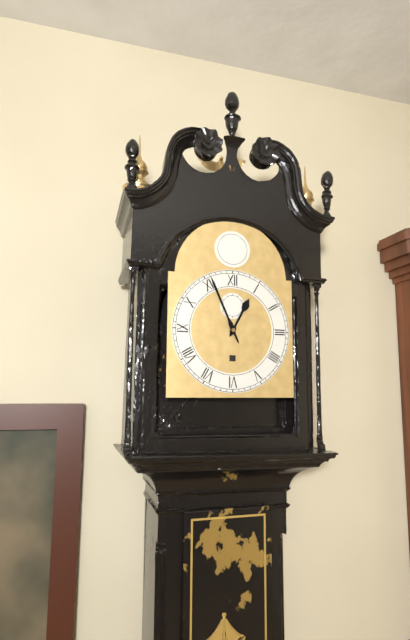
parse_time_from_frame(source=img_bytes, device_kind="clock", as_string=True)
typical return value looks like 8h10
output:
12h56
